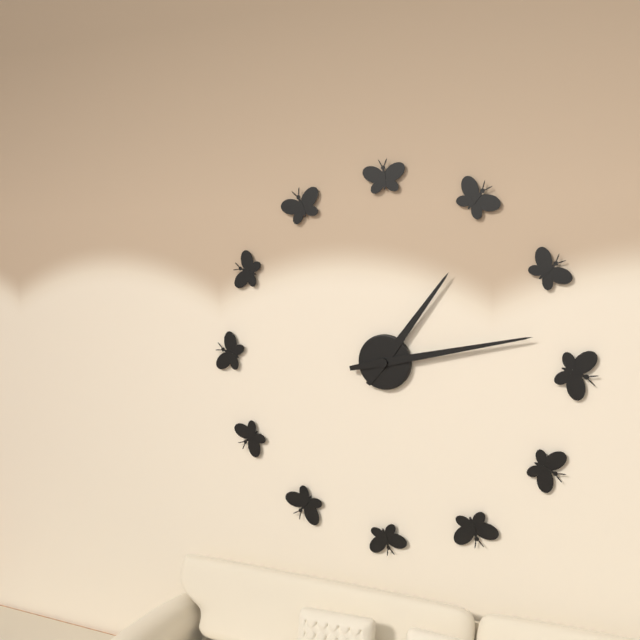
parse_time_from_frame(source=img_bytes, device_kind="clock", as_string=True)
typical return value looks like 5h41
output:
1h13
